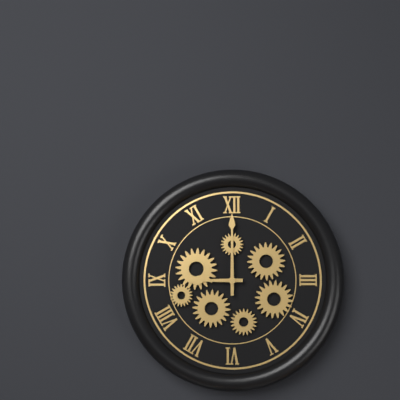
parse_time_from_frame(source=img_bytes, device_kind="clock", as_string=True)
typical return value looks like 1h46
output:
9h00
